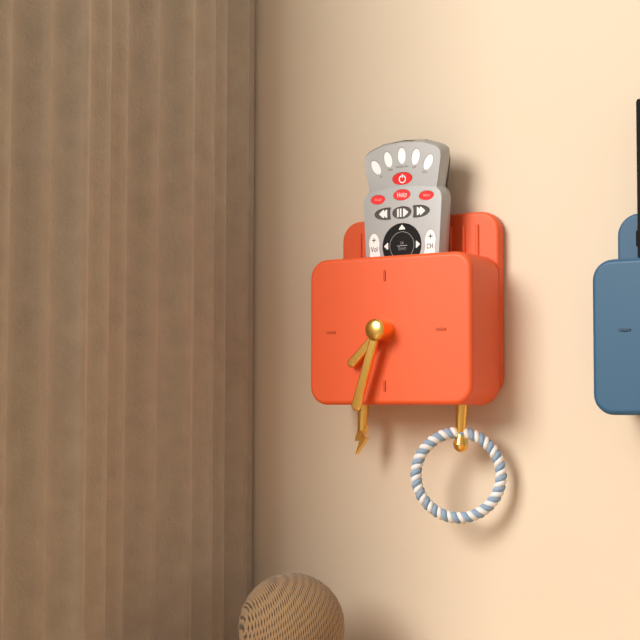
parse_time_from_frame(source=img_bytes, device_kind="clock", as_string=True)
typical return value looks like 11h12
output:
7h33
